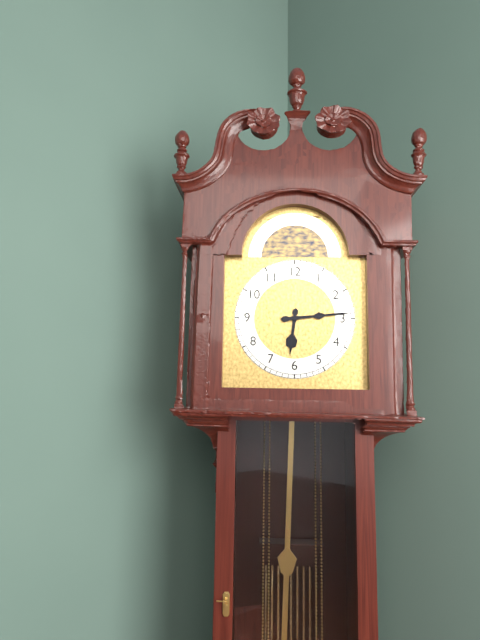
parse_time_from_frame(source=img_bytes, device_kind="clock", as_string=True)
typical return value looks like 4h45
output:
6h14
